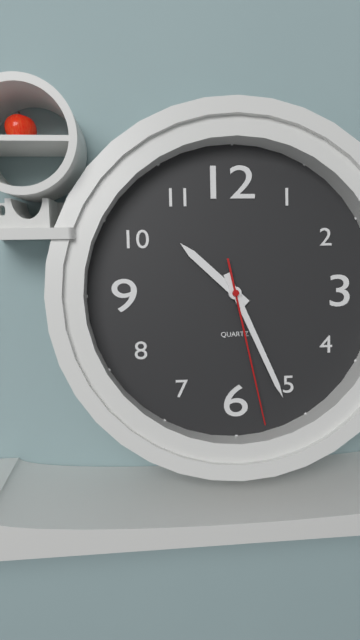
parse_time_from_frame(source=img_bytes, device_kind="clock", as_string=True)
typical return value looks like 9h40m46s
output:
10h26m28s
